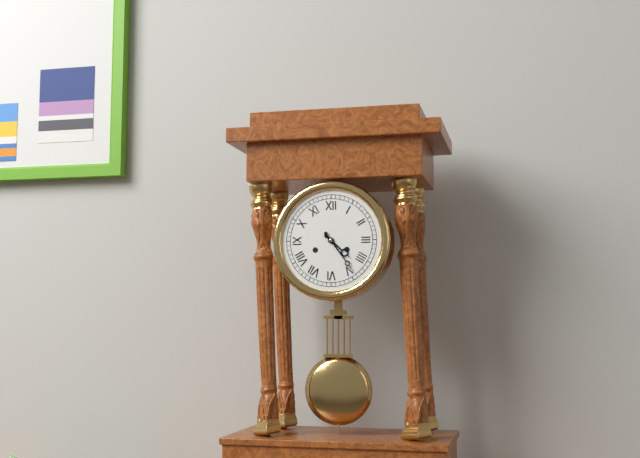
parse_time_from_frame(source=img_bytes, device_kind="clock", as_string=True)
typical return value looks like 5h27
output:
4h24
